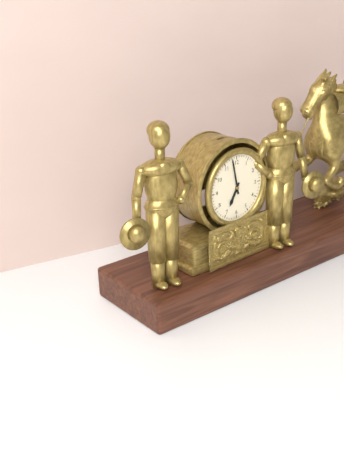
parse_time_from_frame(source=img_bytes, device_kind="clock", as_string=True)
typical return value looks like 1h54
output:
6h58
